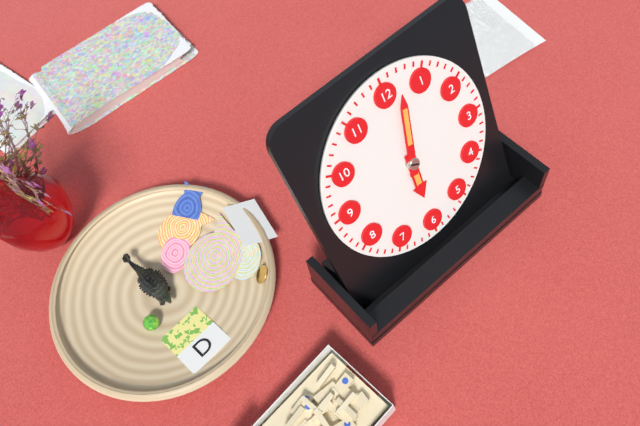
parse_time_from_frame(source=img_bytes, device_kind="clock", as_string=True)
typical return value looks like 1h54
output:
6h02
